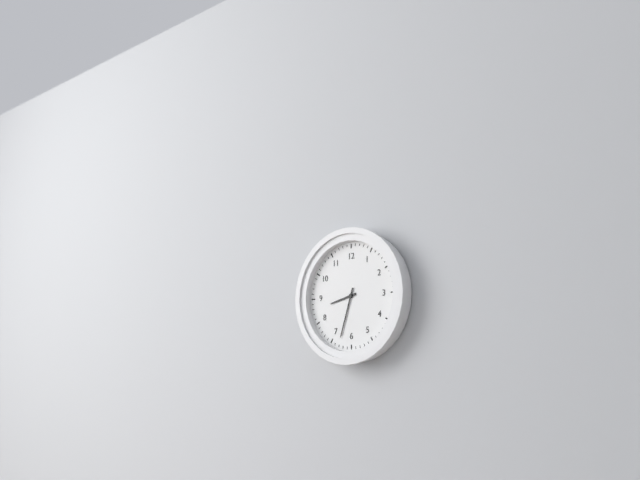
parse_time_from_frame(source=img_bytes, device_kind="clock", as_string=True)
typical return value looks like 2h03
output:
8h33
